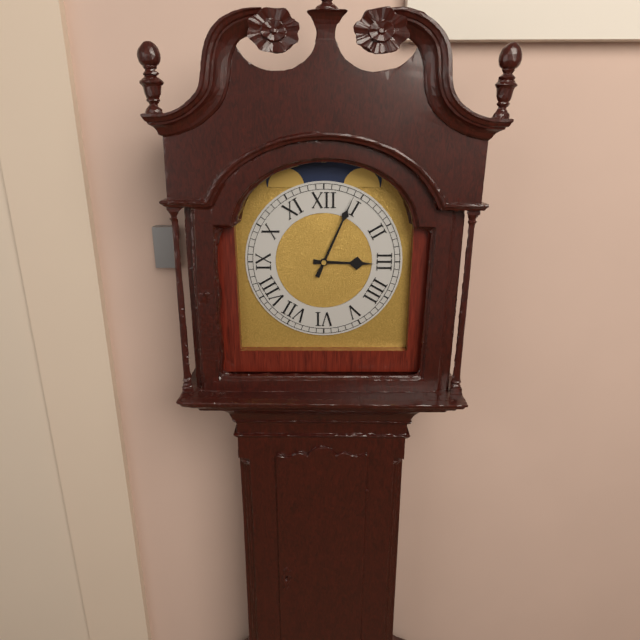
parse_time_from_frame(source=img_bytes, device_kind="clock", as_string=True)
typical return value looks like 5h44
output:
3h04
